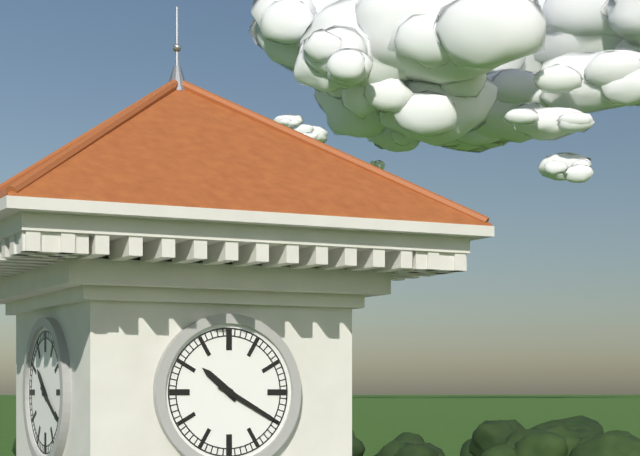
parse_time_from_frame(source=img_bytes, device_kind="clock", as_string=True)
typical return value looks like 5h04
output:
10h20
